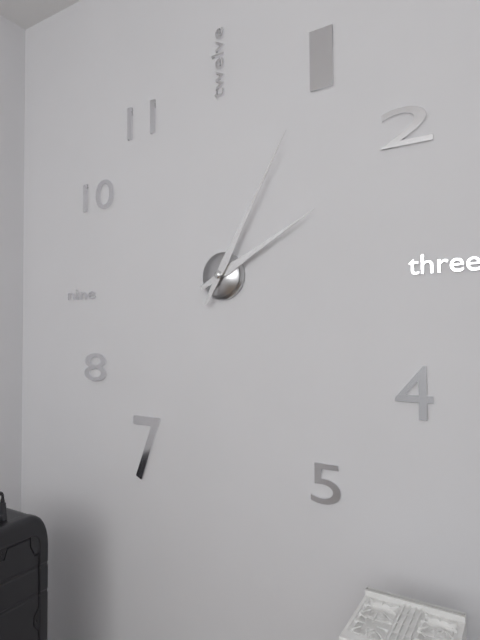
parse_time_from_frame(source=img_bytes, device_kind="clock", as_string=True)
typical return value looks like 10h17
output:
2h05
